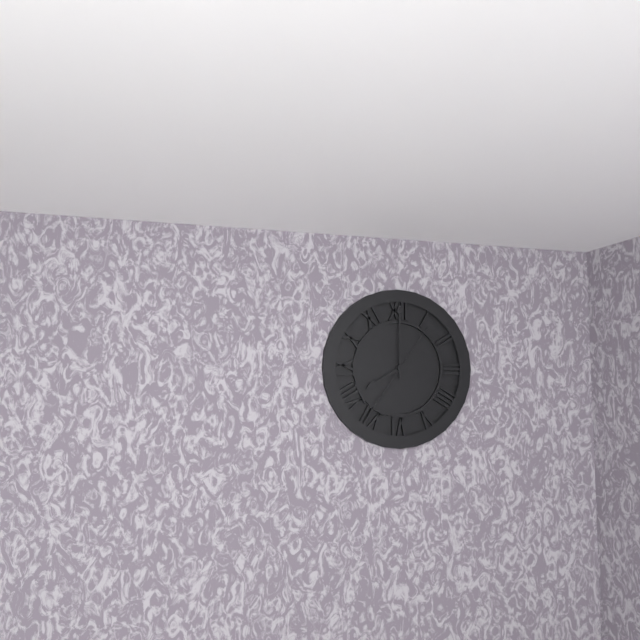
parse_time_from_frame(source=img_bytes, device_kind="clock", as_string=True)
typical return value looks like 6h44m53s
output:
8h00m36s
